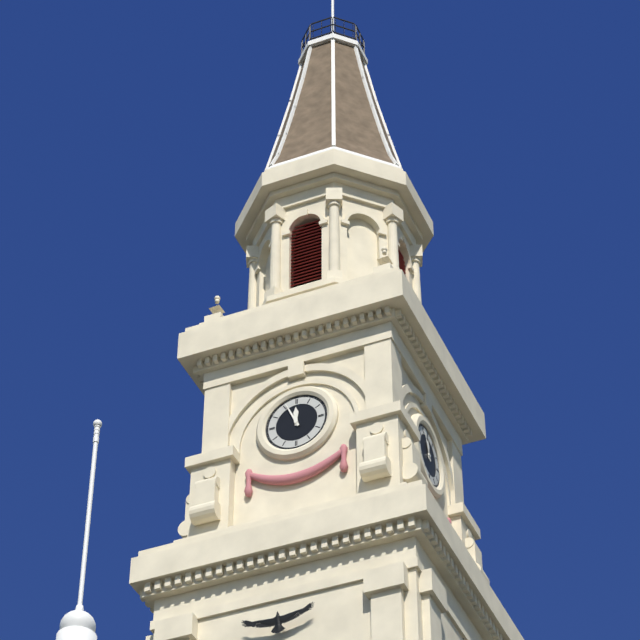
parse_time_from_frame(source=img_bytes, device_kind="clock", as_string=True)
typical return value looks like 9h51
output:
11h56
